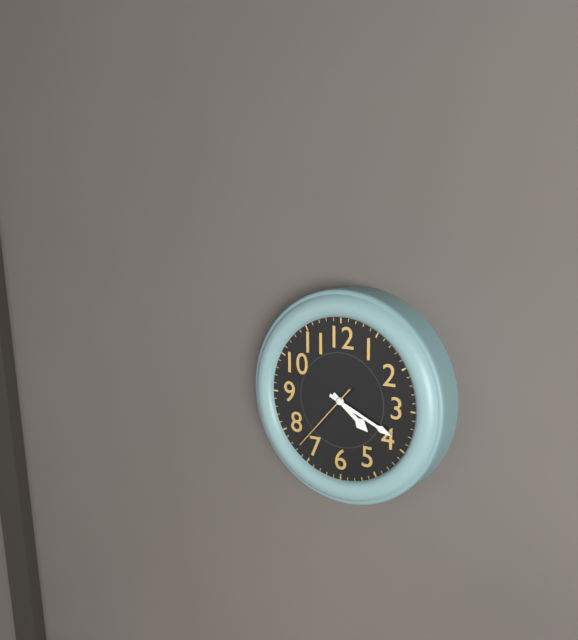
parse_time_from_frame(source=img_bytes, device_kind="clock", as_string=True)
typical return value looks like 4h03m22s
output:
4h19m37s
